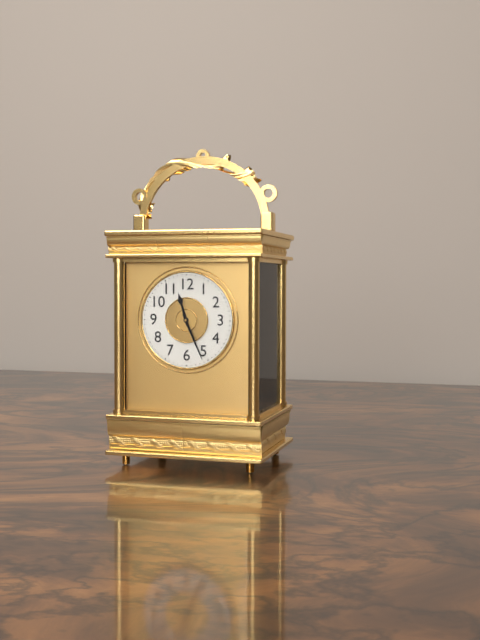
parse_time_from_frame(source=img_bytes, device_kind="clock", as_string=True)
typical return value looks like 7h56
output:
11h26
